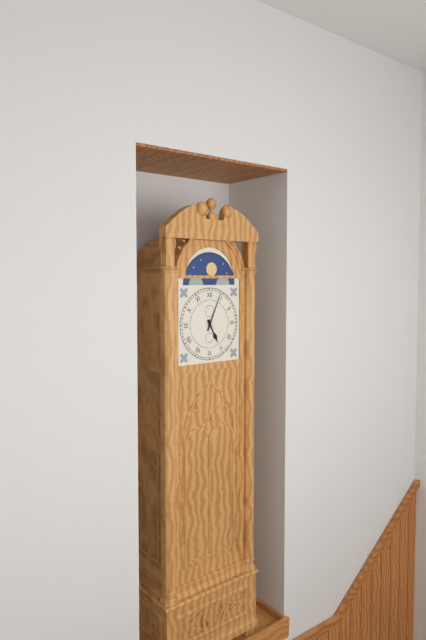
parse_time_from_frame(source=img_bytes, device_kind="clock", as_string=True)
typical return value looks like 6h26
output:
5h04
